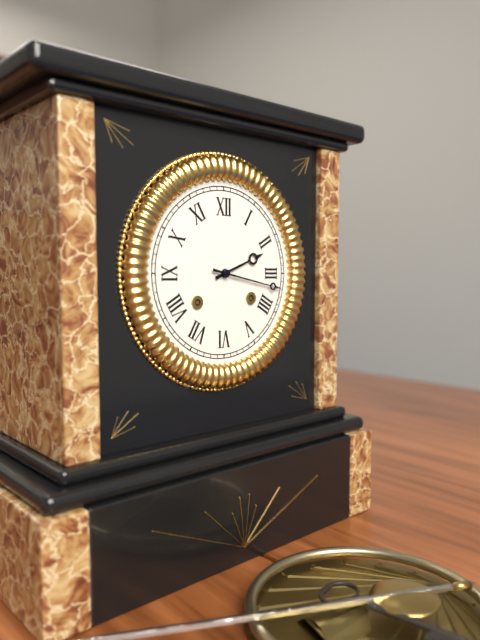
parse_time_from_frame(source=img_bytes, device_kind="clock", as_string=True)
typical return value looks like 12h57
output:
2h17
